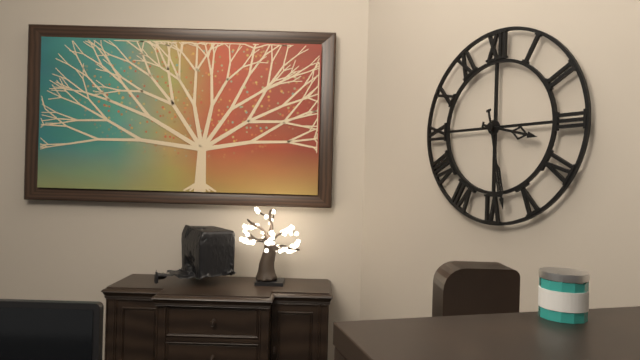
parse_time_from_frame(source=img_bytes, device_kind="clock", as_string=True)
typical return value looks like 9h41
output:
3h28
